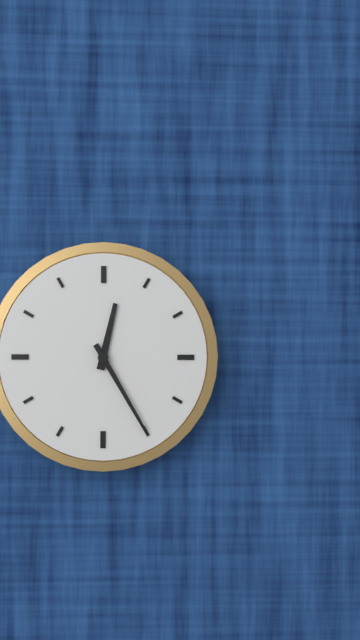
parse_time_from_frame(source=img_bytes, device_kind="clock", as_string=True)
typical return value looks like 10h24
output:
12h25
